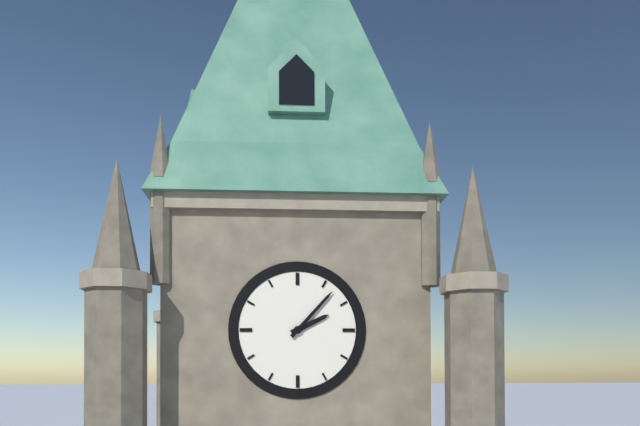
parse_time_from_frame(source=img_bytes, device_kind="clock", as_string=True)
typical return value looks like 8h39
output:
2h07
